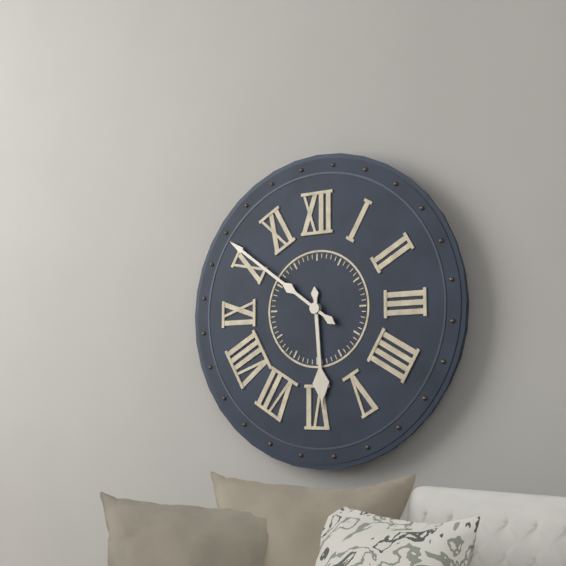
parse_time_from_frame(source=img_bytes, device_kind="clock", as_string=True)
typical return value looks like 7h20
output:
5h51
